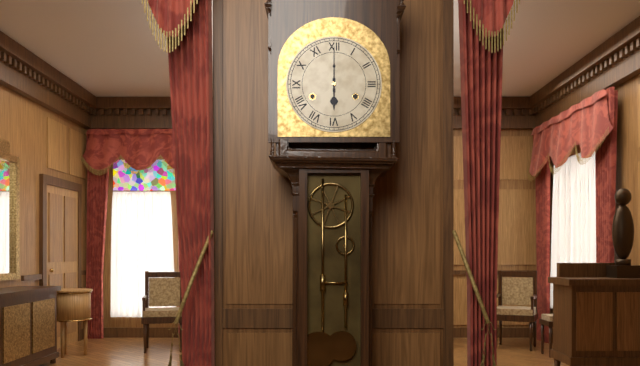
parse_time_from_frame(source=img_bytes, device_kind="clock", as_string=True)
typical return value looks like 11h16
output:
6h00
